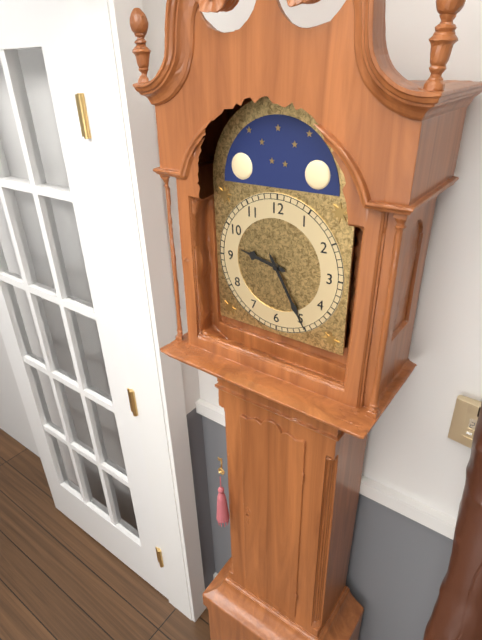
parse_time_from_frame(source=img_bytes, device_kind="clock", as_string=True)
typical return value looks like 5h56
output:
9h25
